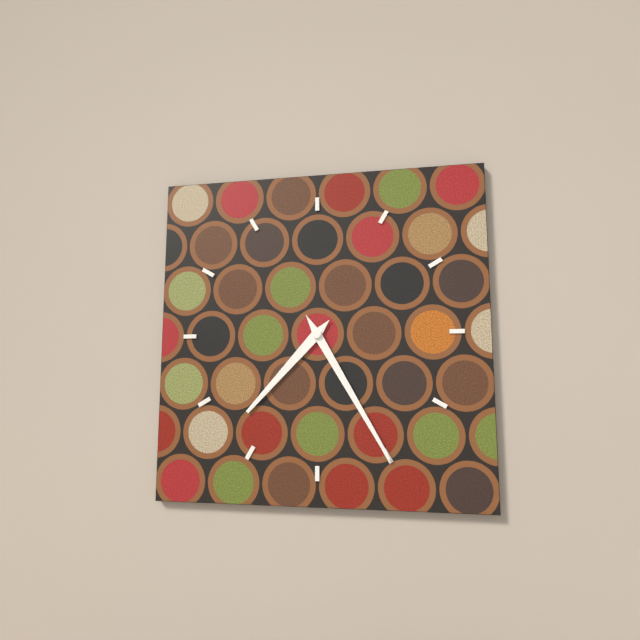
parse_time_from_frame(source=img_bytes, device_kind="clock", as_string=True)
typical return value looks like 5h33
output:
7h25
